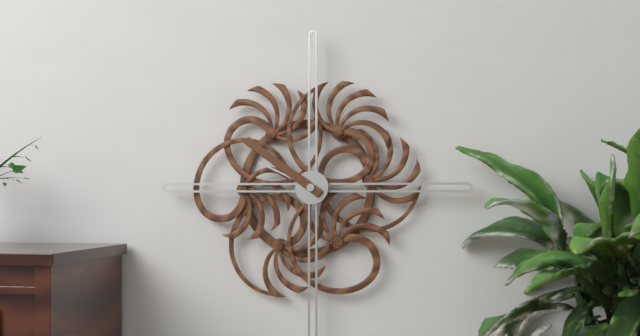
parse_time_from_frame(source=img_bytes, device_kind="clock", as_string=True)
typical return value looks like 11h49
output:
9h51
